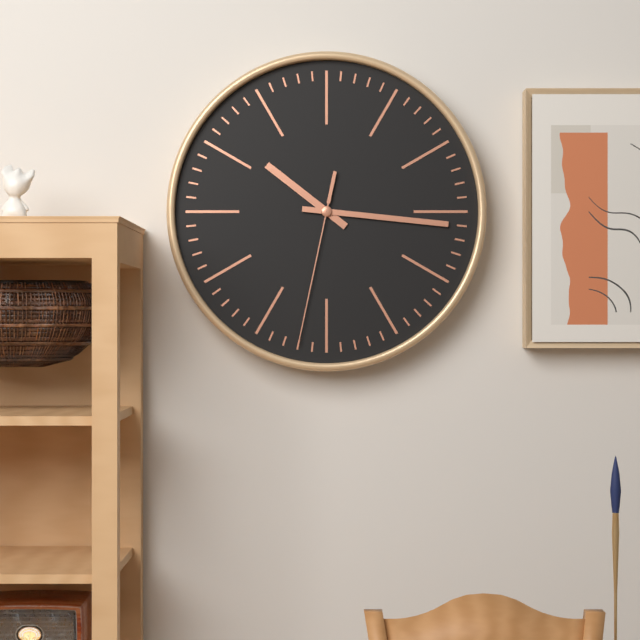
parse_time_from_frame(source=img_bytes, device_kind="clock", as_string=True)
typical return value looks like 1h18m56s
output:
10h16m32s
